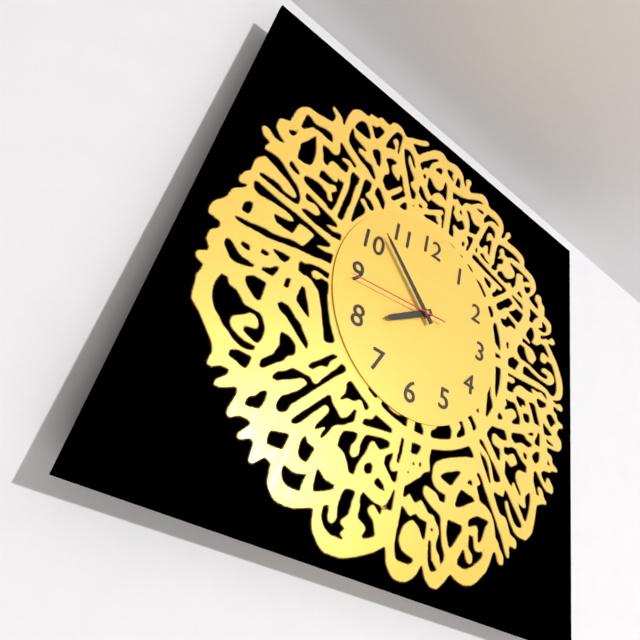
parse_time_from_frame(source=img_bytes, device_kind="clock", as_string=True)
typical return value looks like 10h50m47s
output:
7h52m44s
